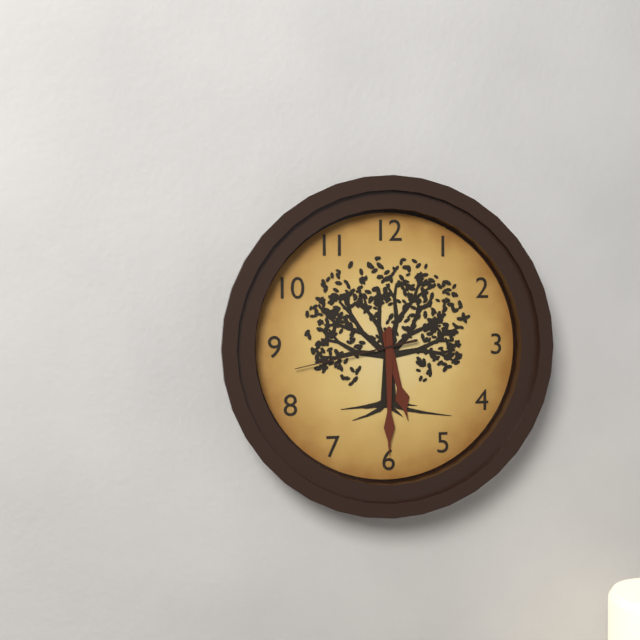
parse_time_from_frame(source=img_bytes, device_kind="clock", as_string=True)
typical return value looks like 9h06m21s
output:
5h30m43s
